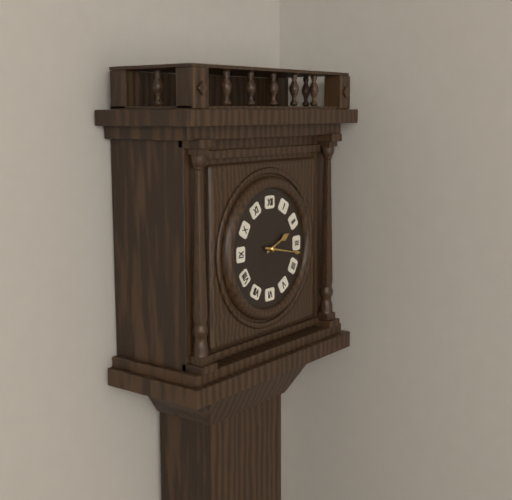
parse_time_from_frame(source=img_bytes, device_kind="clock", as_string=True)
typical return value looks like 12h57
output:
2h17
